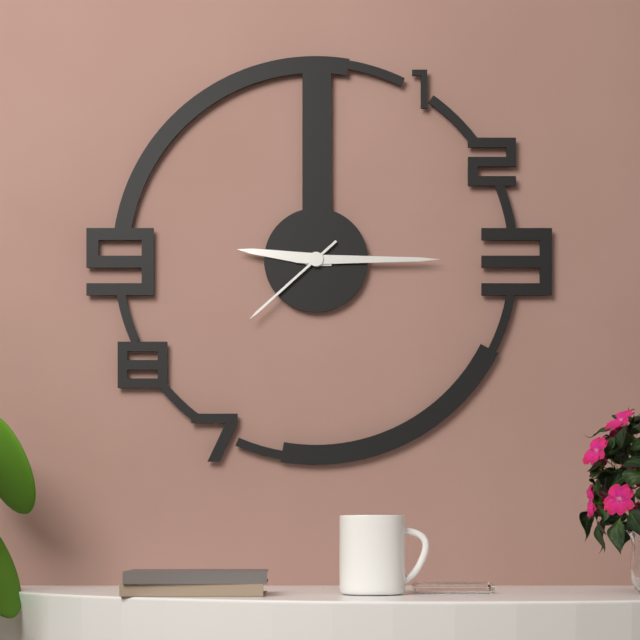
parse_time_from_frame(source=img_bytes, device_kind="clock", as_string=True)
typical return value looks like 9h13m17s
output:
9h15m38s
